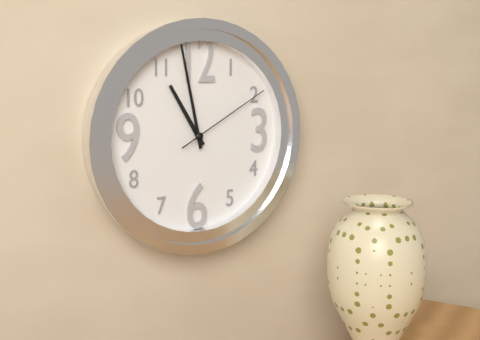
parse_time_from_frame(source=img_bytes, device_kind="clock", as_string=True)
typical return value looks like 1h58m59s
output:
10h58m10s
